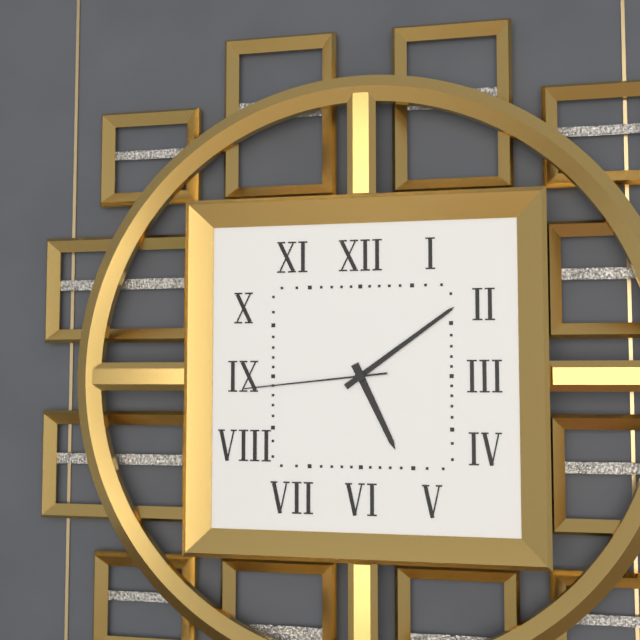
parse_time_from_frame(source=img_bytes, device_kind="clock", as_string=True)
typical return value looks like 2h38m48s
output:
5h09m44s
